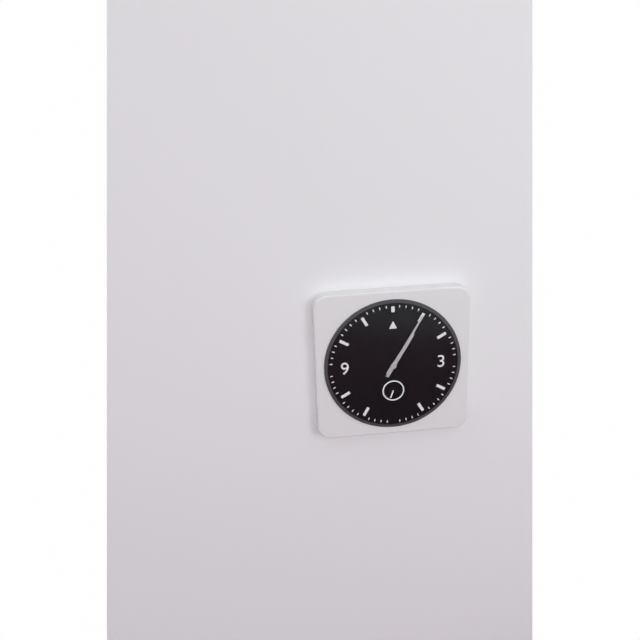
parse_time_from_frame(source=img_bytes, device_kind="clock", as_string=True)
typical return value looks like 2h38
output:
1h05
